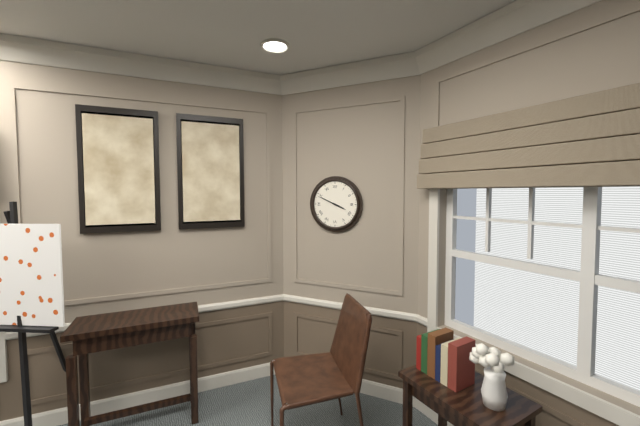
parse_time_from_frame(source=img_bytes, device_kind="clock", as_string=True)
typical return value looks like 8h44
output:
3h49
